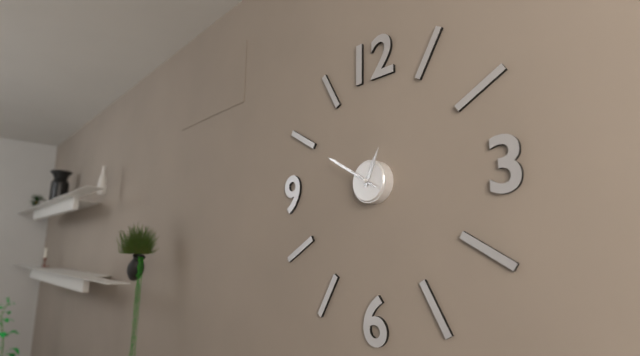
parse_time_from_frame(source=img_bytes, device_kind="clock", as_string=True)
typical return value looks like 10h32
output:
12h50
